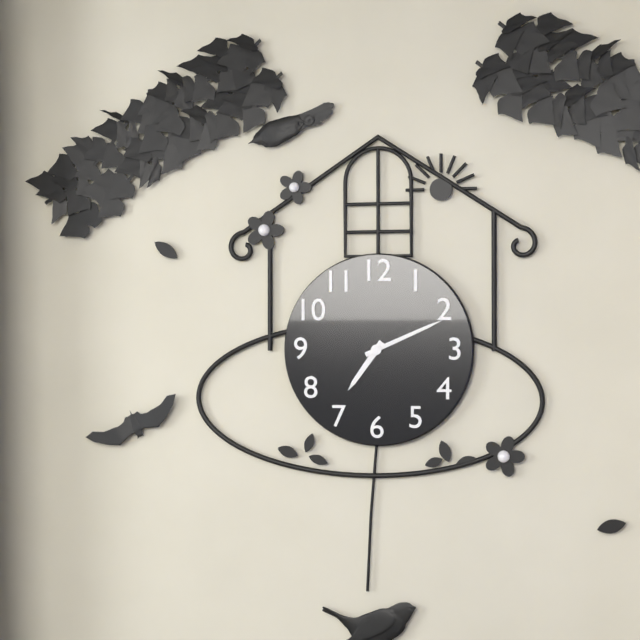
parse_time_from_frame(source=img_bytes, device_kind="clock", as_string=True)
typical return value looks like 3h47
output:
7h11
